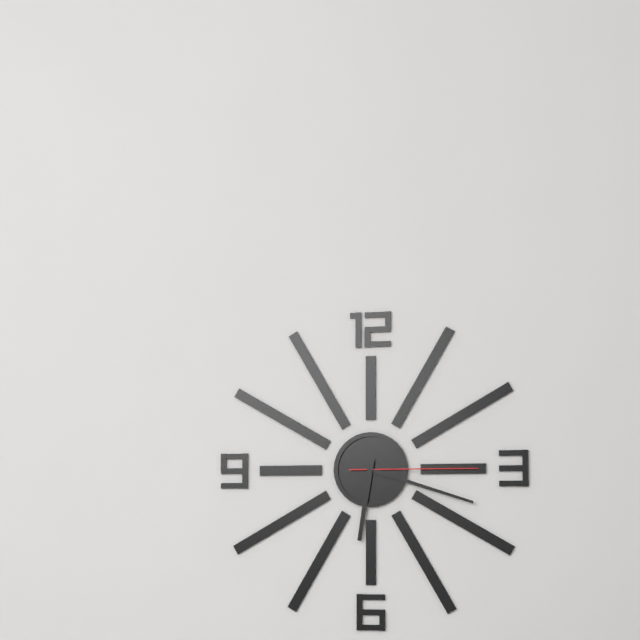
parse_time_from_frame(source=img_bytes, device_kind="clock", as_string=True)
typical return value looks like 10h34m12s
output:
6h18m15s
